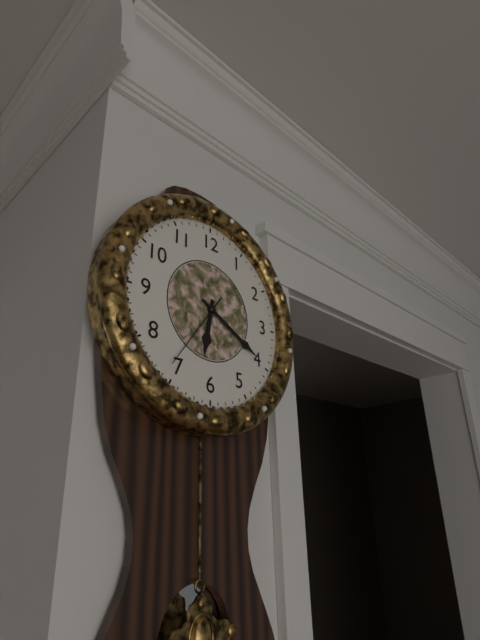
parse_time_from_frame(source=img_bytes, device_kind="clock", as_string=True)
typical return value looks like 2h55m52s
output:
6h20m36s
